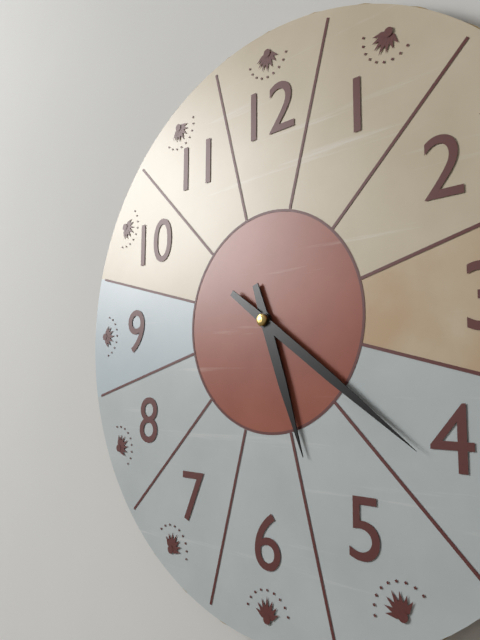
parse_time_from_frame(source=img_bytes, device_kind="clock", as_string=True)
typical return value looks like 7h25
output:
5h21
